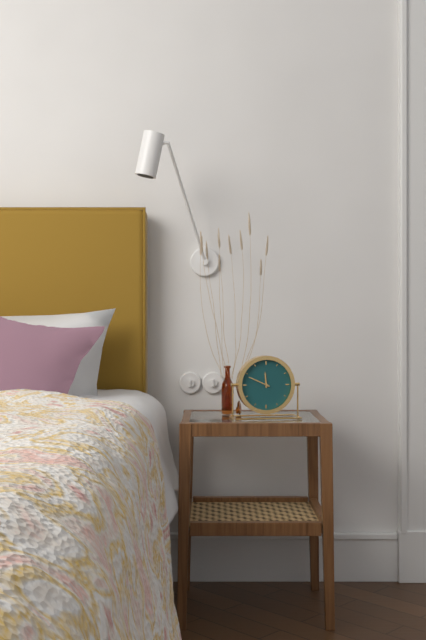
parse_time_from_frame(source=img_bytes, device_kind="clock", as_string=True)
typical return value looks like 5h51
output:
11h49
